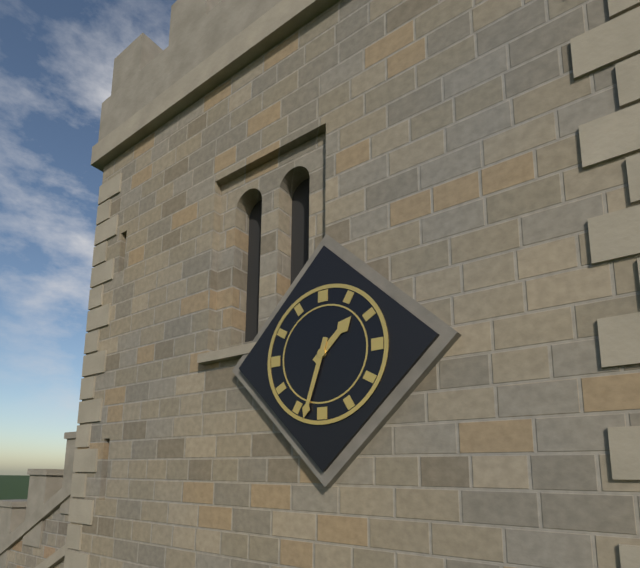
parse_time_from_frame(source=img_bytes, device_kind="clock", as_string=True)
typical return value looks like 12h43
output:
1h33
